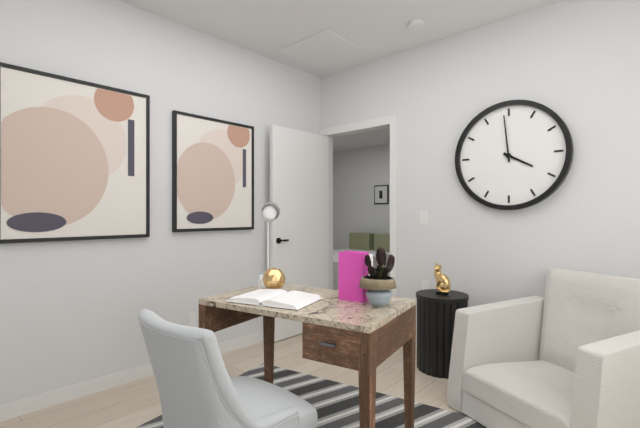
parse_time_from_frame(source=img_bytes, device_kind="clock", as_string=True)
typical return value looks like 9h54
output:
3h59
